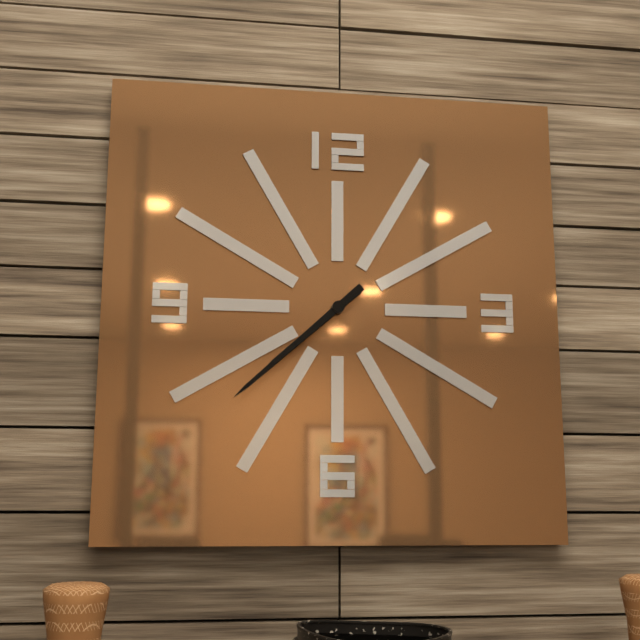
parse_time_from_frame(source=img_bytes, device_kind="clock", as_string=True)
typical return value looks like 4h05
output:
7h38
